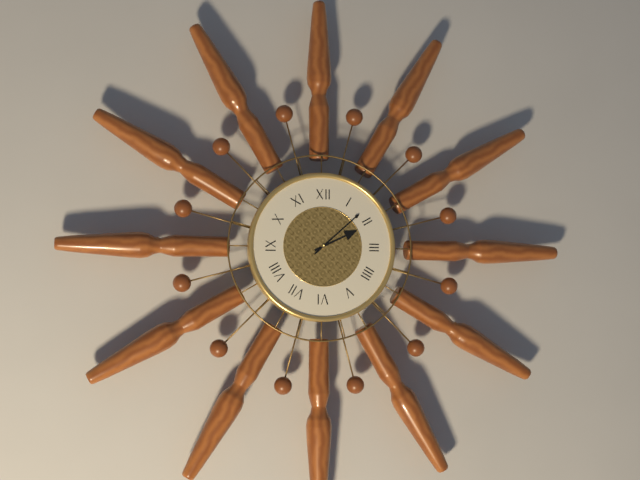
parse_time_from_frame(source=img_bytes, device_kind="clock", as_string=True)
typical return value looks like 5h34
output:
2h08
